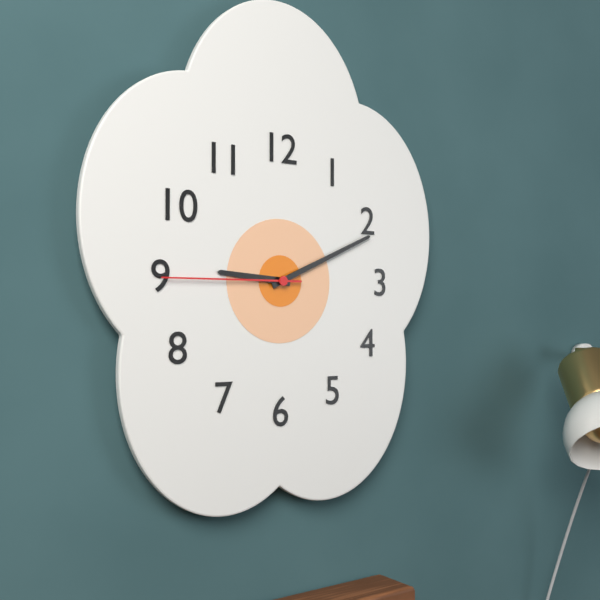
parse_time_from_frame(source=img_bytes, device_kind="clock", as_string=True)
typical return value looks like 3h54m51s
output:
9h11m45s
